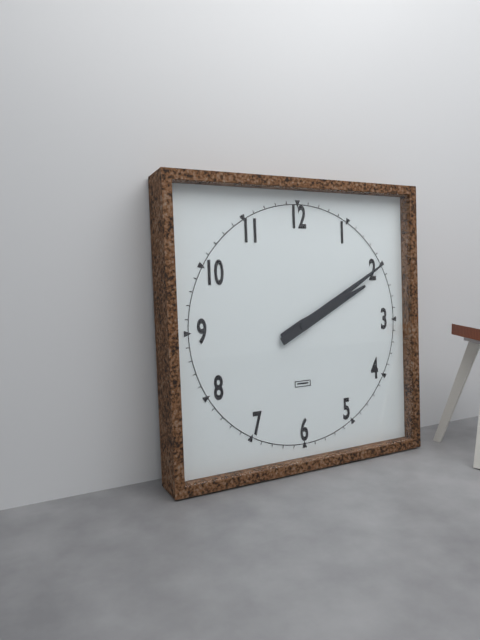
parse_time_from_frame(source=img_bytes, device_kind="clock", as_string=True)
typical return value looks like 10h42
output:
2h10
